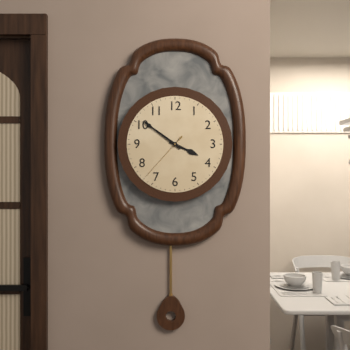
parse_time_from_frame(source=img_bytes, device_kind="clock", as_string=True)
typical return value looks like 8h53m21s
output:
3h51m37s
